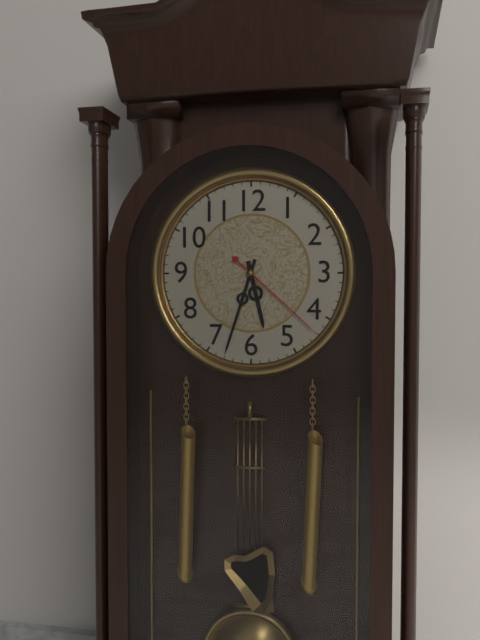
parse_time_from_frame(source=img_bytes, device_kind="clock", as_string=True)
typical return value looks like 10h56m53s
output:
5h33m22s
